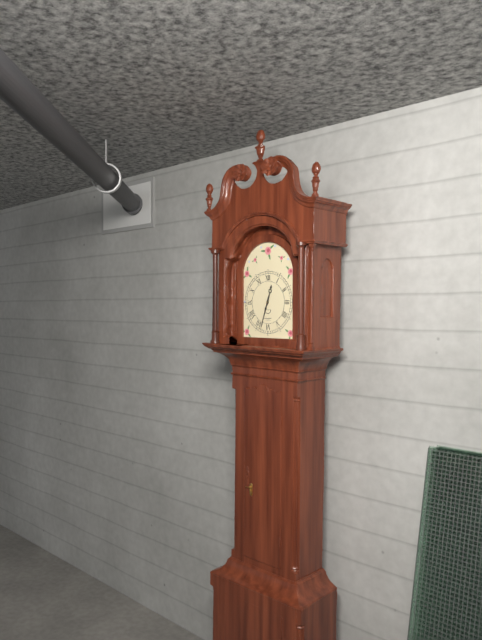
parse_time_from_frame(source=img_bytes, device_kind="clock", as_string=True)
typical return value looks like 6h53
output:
12h33
